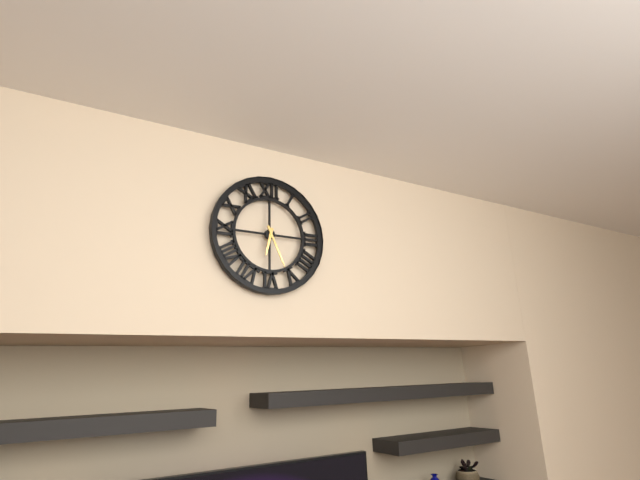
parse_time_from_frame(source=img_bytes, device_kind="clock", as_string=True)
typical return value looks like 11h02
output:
6h26
